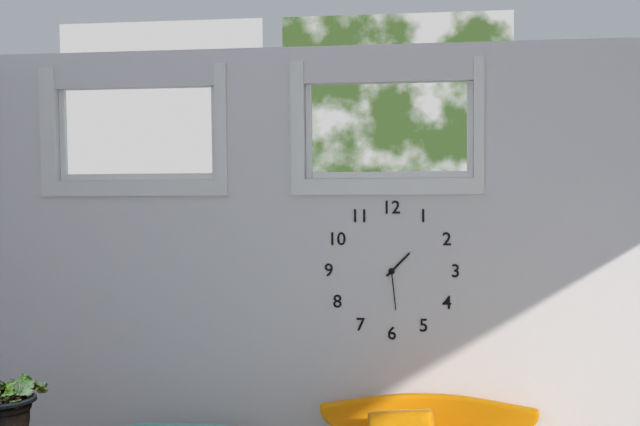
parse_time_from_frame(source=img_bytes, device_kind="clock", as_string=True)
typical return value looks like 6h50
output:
1h29
